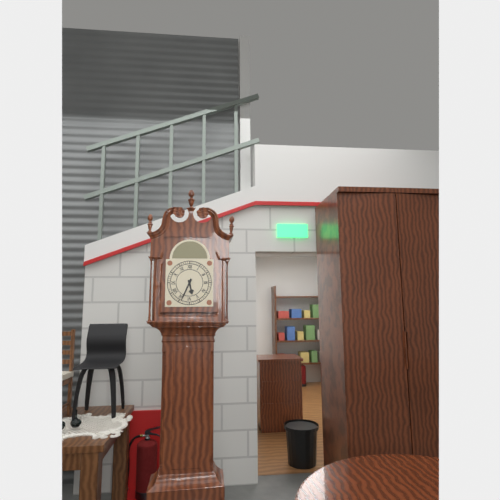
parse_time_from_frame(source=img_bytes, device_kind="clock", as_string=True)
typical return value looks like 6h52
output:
5h34
